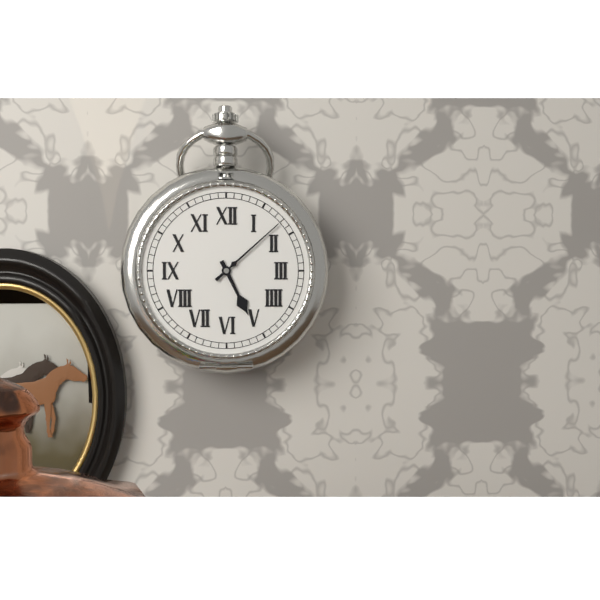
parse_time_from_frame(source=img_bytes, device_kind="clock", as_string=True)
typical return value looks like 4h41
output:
5h08
